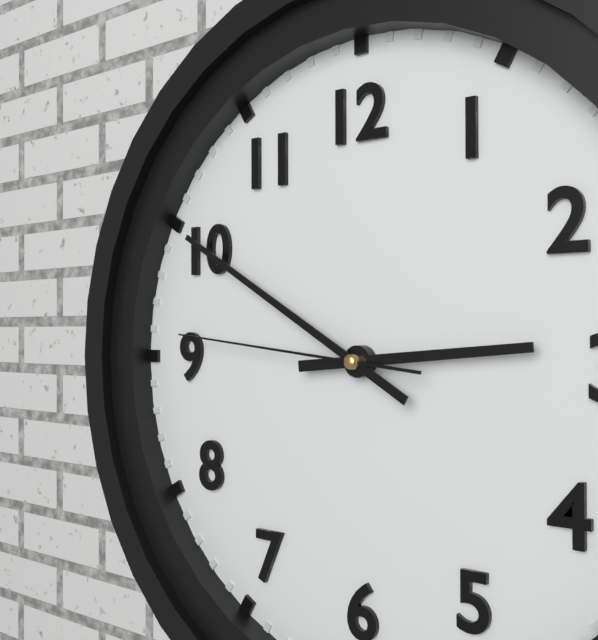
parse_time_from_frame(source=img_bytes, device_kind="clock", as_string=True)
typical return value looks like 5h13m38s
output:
2h50m46s
